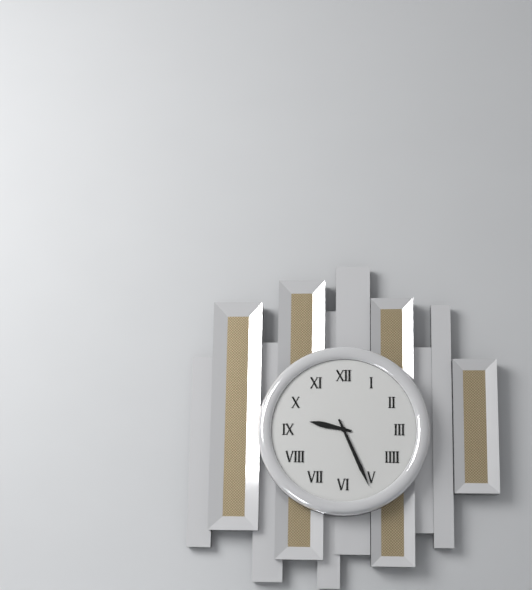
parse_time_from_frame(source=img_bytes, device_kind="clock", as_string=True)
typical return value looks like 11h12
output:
9h26
